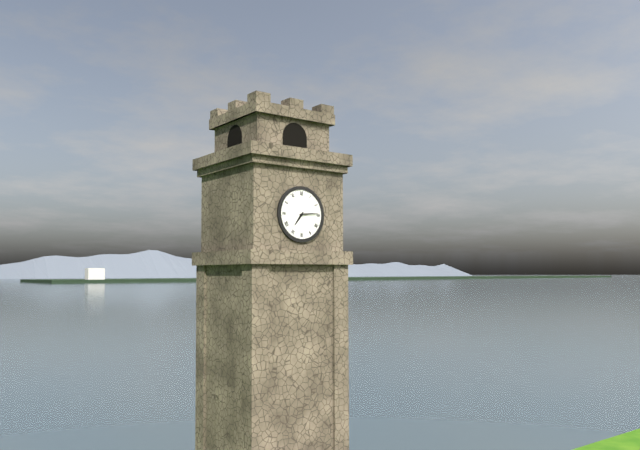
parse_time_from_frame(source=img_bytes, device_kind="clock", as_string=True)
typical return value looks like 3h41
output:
7h14
